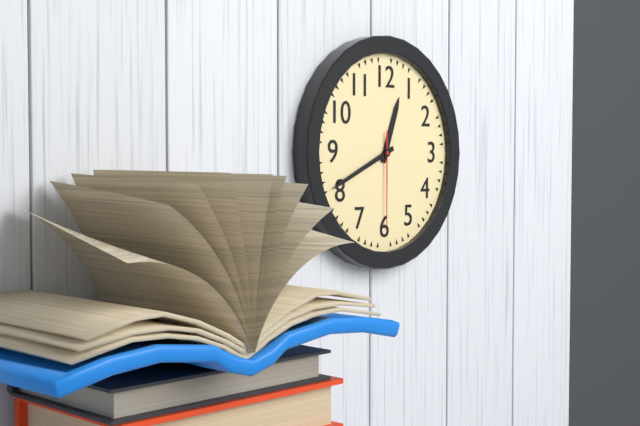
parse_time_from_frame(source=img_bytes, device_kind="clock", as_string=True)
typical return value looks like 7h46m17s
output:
12h41m30s
